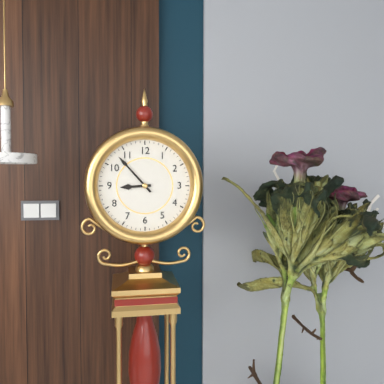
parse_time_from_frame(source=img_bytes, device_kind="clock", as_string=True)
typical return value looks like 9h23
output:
8h53
